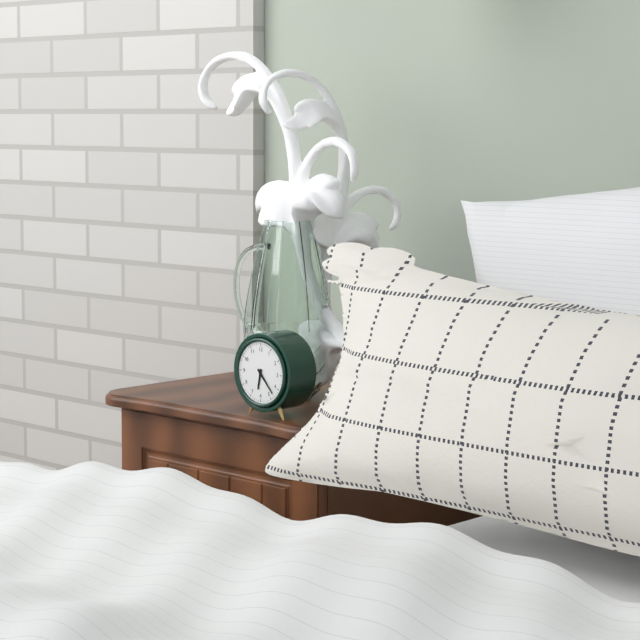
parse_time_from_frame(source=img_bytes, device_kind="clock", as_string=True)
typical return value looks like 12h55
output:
6h23
